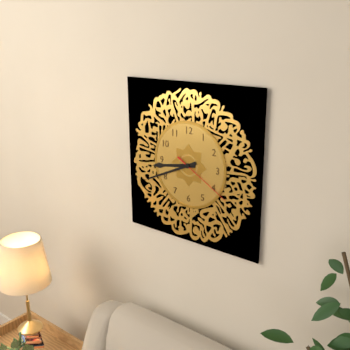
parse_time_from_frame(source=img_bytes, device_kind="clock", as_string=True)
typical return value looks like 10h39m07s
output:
8h41m20s
